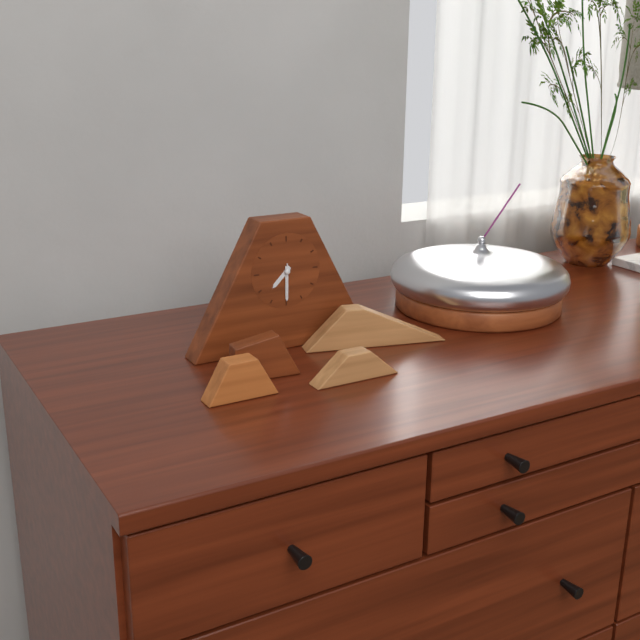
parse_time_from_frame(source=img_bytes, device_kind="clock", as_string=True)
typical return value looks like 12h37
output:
7h30
